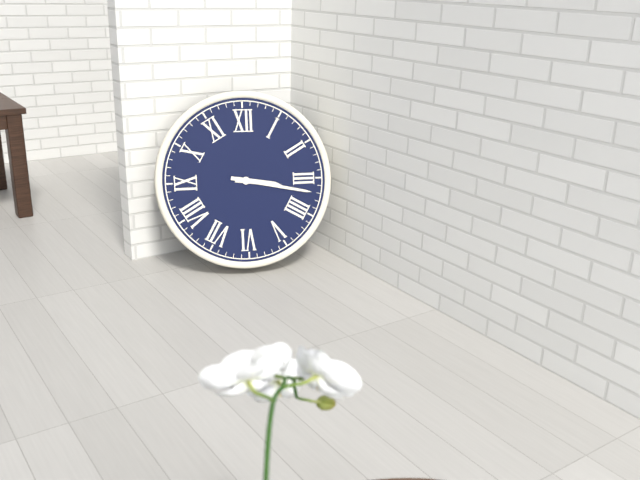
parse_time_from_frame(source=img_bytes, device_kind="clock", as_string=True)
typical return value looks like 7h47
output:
3h17
